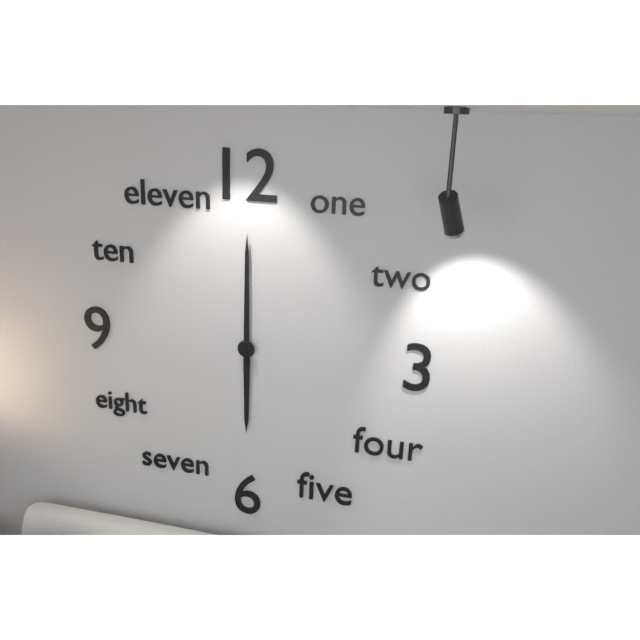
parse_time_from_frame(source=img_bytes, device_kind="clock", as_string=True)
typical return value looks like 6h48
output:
6h00
